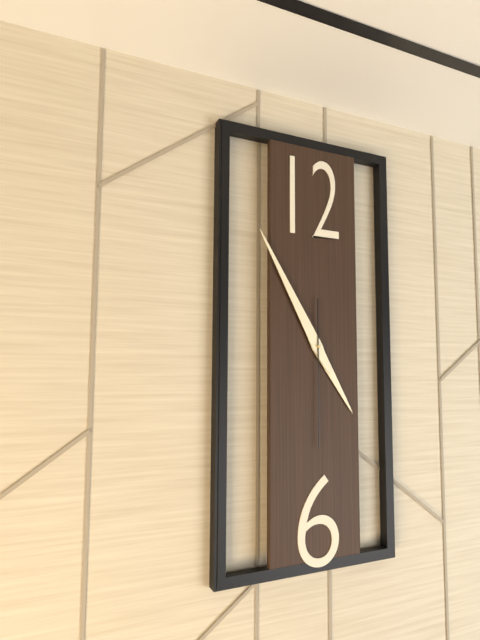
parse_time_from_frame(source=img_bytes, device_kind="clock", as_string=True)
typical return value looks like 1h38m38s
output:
4h55m30s
